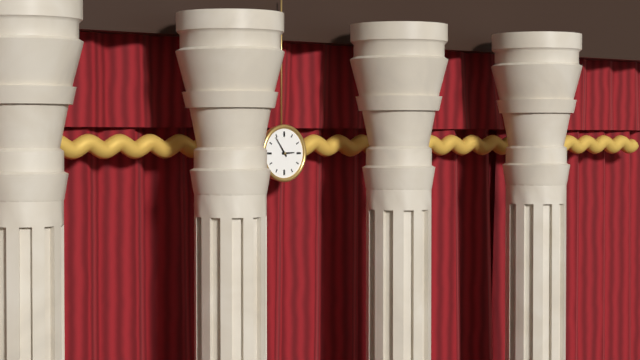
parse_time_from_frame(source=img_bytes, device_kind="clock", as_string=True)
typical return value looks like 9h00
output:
2h54
